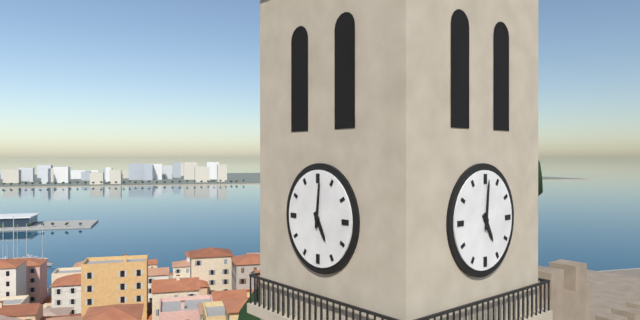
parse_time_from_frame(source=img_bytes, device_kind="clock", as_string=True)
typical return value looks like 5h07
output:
5h01
